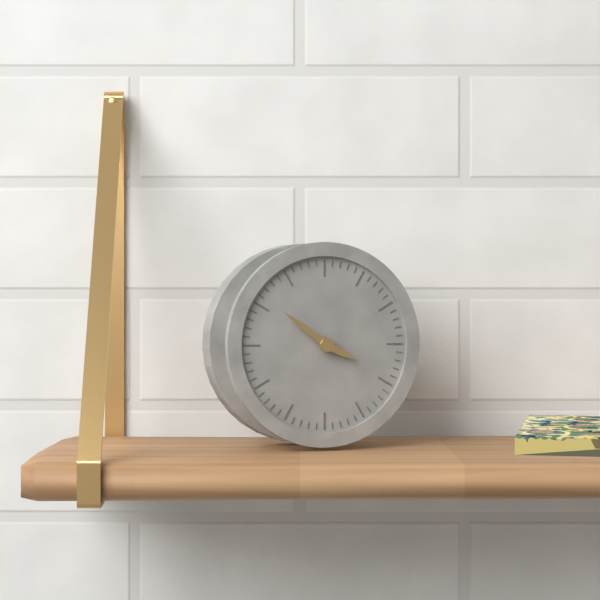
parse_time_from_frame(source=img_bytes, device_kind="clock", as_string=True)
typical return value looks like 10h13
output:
3h51
